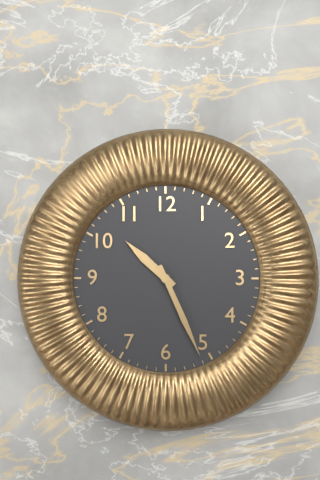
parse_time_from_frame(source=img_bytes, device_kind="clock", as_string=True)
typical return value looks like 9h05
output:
10h26
